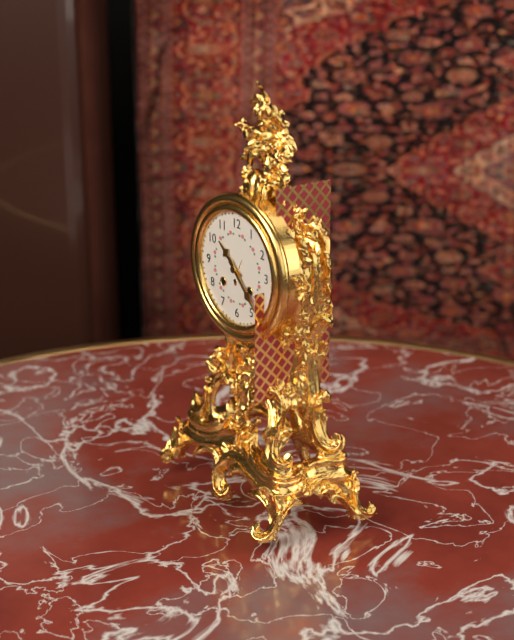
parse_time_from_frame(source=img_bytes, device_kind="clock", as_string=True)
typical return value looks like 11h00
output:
10h23
